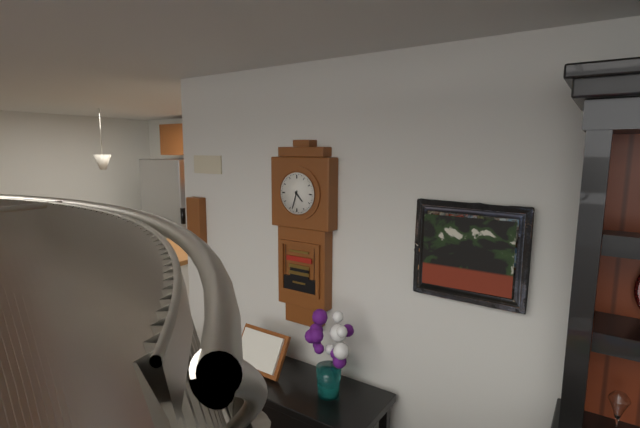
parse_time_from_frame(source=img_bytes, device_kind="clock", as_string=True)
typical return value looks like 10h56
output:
4h33
